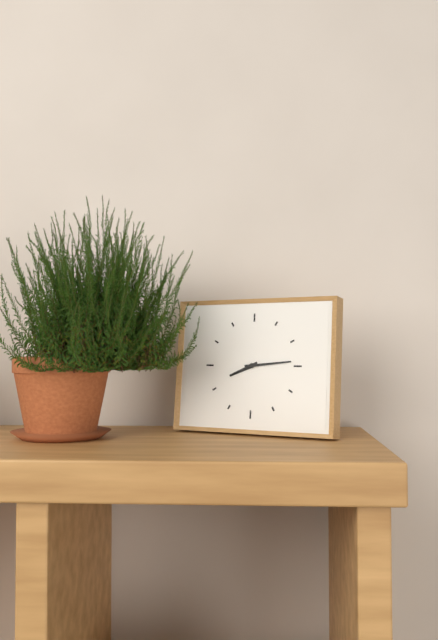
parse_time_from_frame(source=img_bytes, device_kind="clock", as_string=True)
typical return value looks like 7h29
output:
8h14
